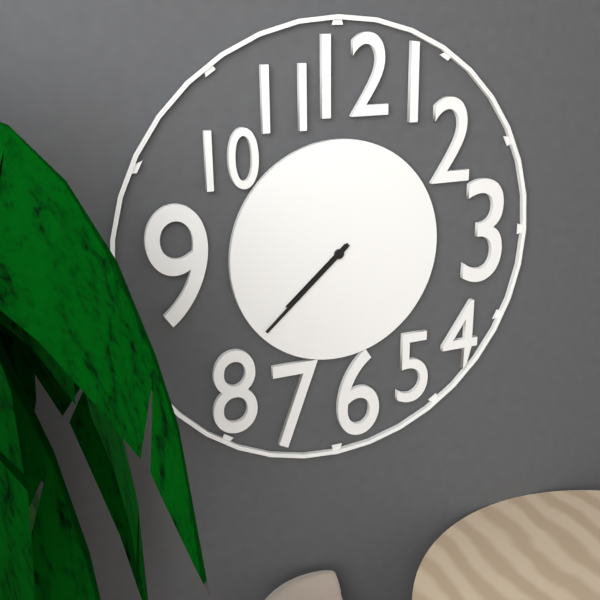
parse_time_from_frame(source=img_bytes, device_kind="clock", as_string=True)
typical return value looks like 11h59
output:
7h38
